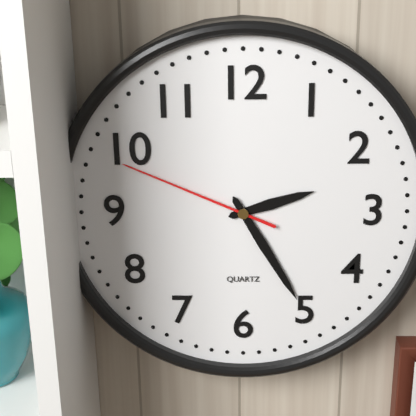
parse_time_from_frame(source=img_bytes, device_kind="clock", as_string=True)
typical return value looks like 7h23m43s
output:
2h25m49s
